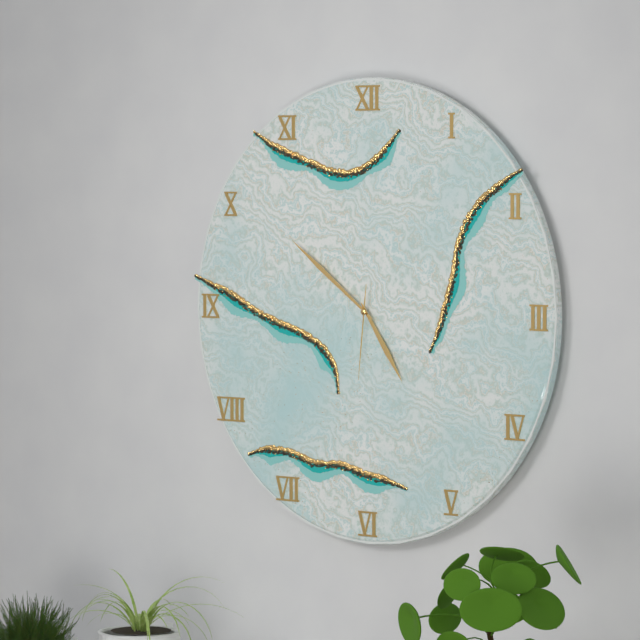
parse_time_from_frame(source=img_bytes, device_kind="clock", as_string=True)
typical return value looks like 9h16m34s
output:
4h51m31s
